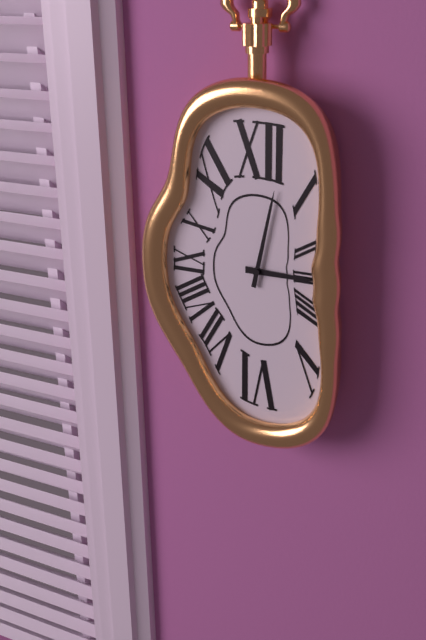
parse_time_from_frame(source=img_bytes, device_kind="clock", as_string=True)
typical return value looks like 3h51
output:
3h02
